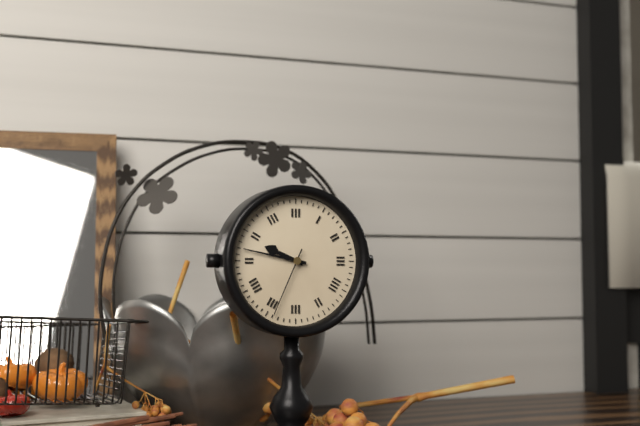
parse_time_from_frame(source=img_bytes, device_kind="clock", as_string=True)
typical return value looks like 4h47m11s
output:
9h47m34s
